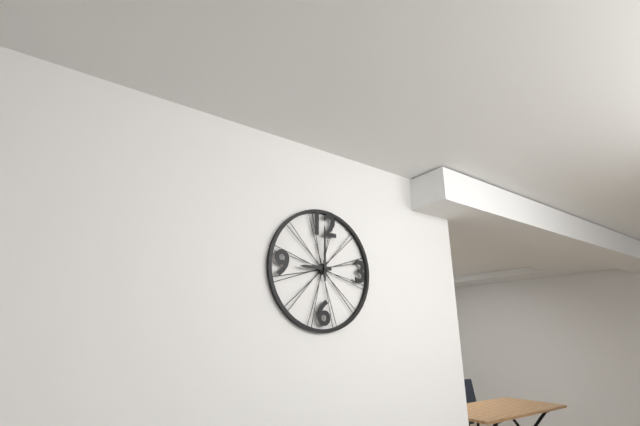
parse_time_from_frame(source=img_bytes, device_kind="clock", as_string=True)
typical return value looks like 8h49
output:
9h00
